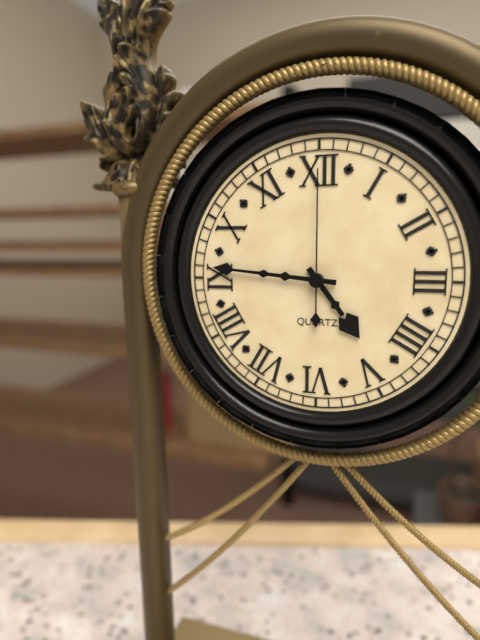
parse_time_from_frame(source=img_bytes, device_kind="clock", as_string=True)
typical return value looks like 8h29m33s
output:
4h46m00s
